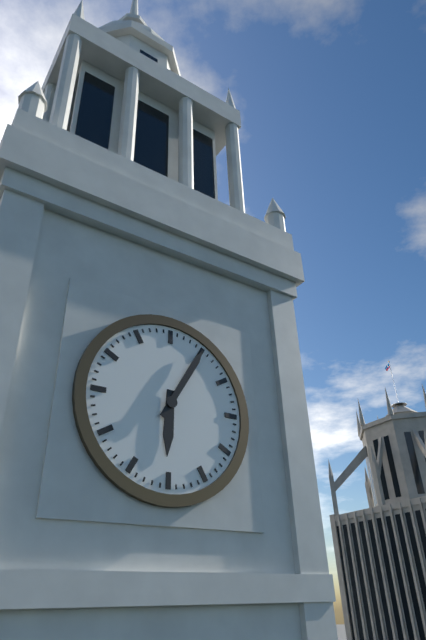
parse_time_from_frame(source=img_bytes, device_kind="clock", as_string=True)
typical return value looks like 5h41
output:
6h05
